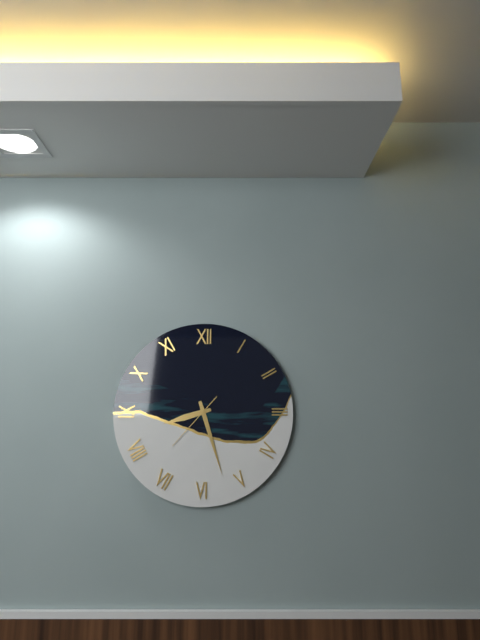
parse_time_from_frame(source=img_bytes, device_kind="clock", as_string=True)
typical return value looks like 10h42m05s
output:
8h27m37s
